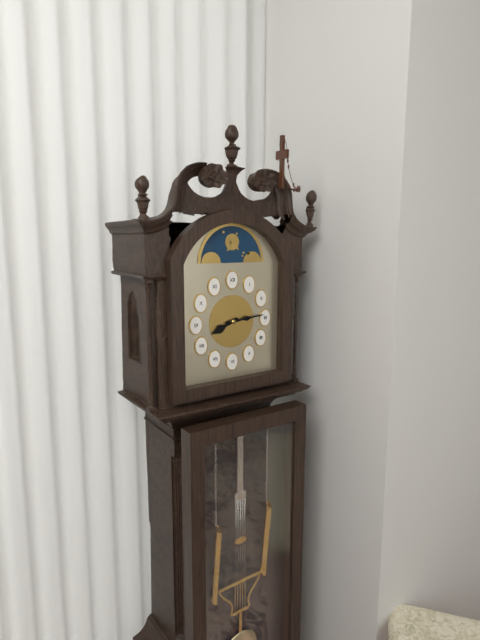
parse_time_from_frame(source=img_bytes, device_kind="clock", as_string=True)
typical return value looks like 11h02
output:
8h14
